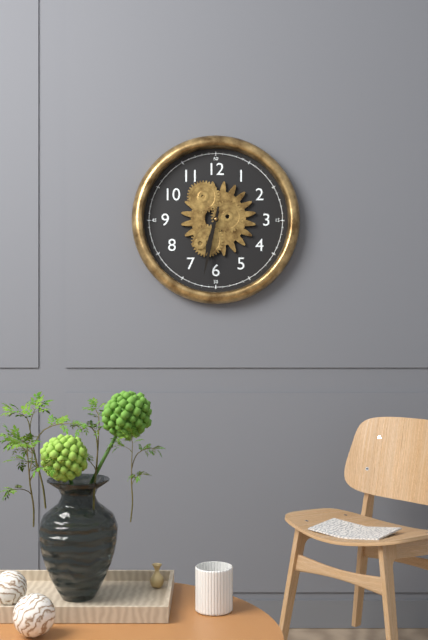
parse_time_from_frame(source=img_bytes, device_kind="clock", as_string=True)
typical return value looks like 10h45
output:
6h32
